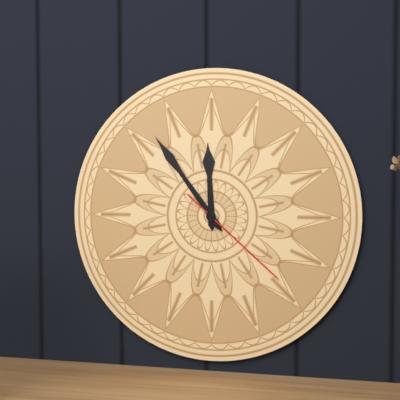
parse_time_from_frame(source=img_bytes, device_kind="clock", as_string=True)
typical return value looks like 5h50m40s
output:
11h54m22s
